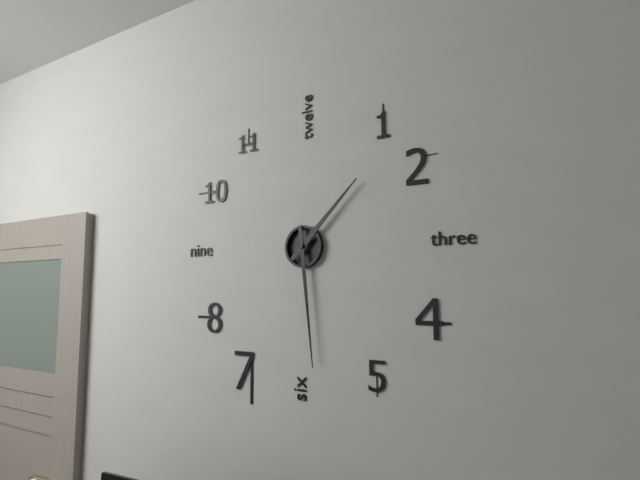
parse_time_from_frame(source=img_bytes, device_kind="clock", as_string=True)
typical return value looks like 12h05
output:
1h29
